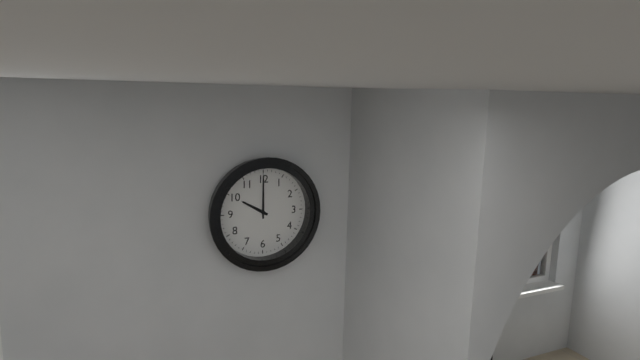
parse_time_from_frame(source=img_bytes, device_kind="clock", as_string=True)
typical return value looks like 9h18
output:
10h00
